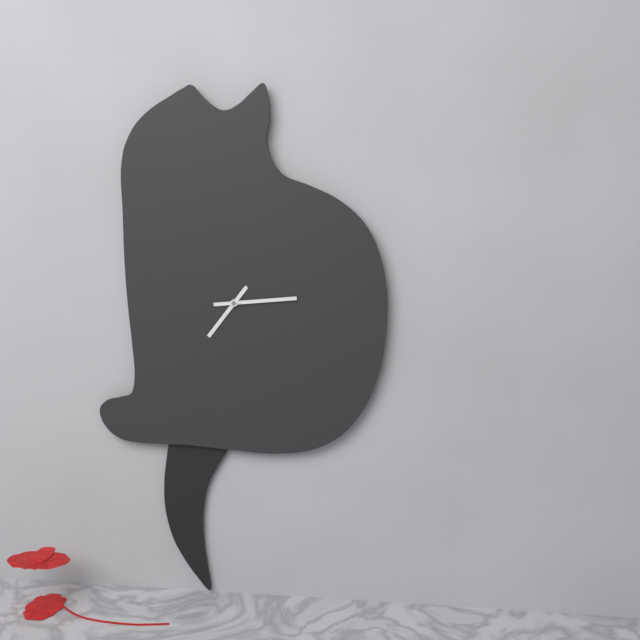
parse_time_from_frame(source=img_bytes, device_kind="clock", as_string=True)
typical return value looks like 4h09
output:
7h14
